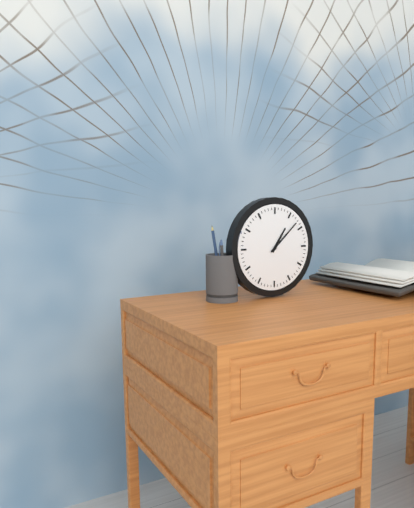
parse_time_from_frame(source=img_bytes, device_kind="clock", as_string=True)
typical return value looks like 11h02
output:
1h08
